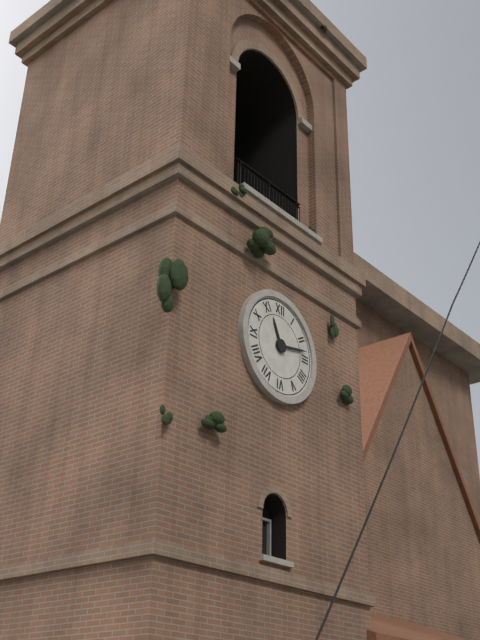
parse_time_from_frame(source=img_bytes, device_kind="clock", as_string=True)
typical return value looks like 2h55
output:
11h13
